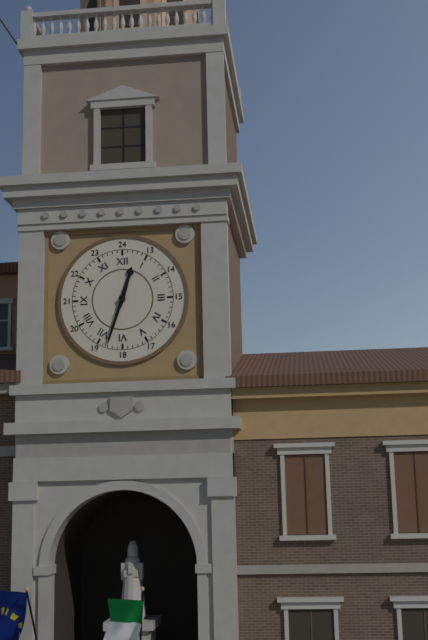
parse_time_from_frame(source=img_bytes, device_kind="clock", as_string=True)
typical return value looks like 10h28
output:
12h33
